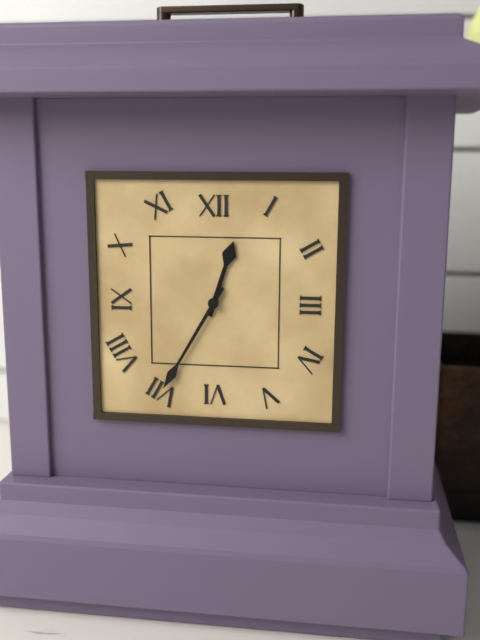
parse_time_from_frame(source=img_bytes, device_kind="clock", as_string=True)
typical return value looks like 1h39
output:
12h35
